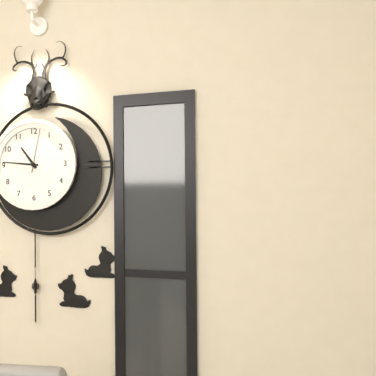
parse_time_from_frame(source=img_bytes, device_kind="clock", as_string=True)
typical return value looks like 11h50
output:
10h46
